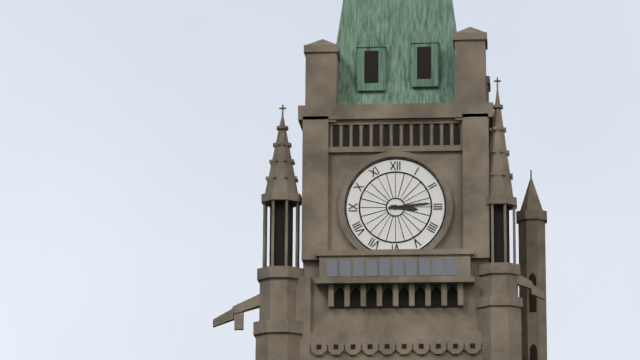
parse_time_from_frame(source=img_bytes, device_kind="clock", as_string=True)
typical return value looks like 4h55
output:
3h14
